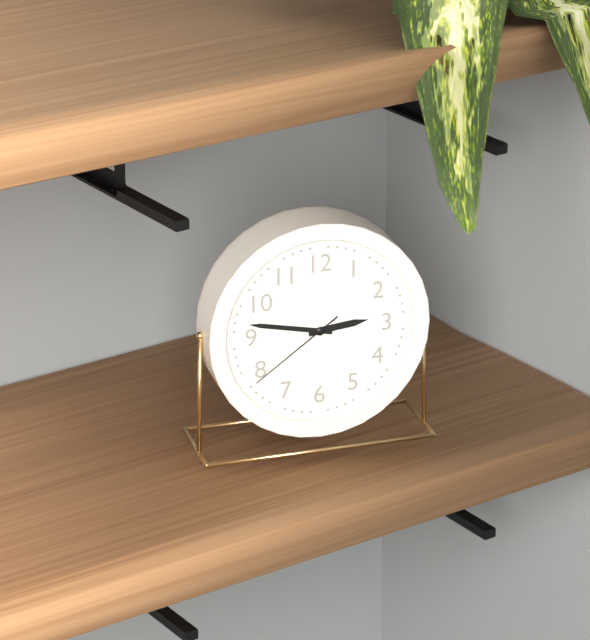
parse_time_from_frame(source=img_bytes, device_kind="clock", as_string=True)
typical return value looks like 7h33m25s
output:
2h47m39s
